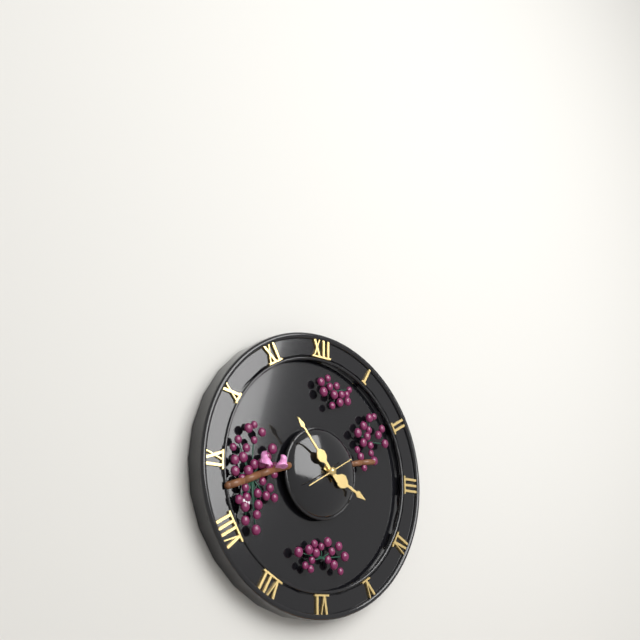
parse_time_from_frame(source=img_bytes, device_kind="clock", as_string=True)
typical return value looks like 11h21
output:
3h53
